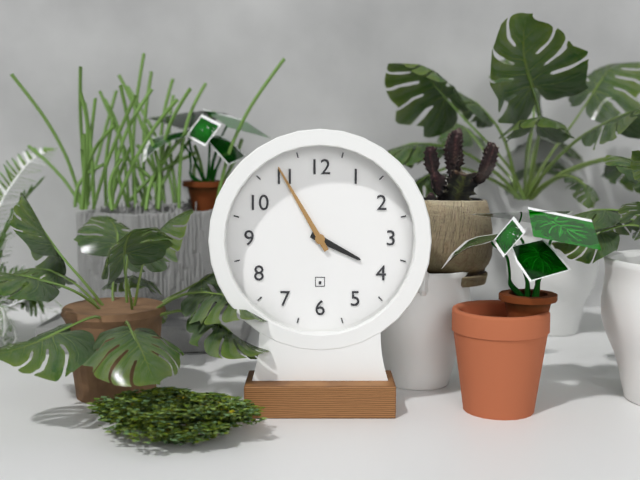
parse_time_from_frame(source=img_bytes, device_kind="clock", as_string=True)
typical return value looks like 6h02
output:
3h55
